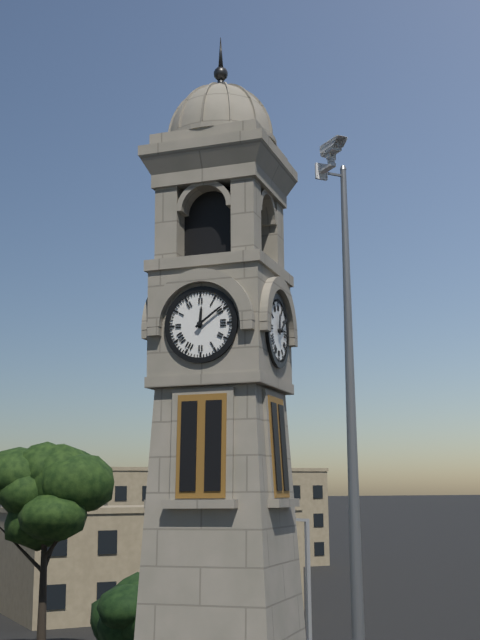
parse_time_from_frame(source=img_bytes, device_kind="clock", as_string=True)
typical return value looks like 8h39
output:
12h09
